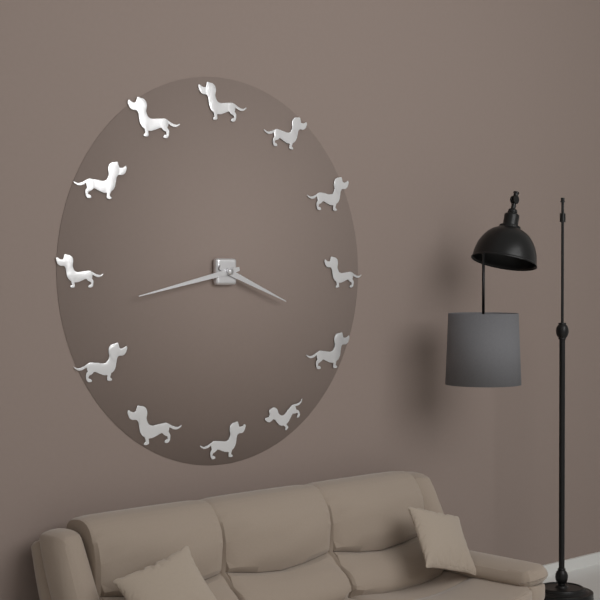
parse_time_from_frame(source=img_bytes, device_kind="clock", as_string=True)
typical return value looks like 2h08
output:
3h43
